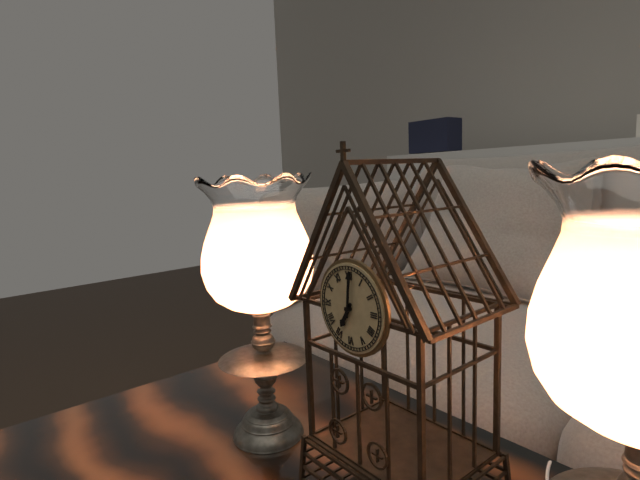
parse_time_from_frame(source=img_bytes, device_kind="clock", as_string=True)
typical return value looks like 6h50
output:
7h01
